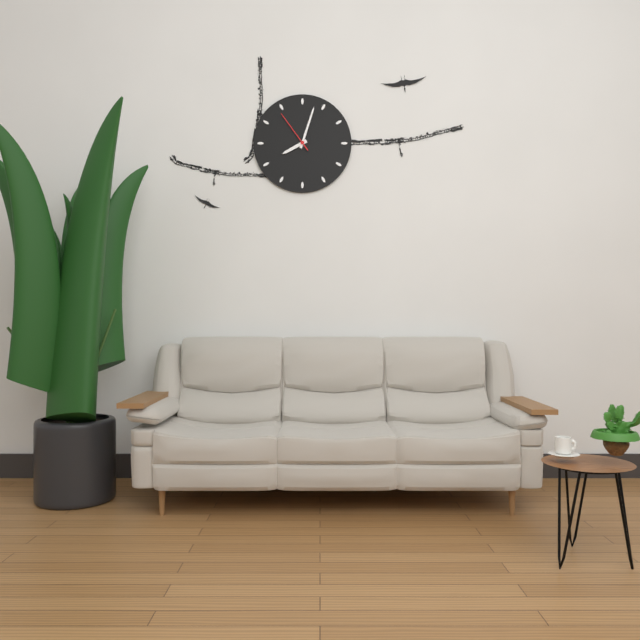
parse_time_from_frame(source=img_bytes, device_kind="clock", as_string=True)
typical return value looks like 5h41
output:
8h03
